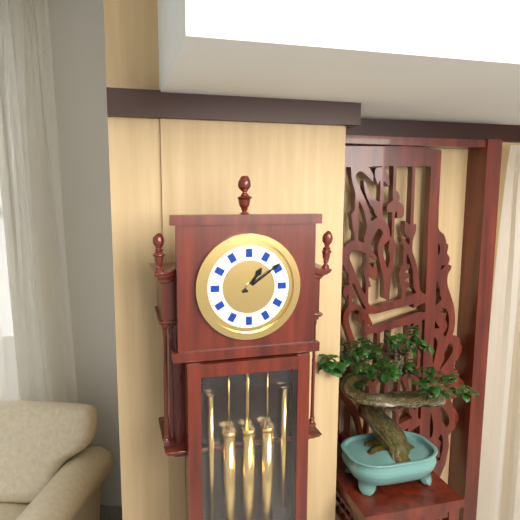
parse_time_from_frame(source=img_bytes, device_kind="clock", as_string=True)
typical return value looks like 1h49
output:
1h09
